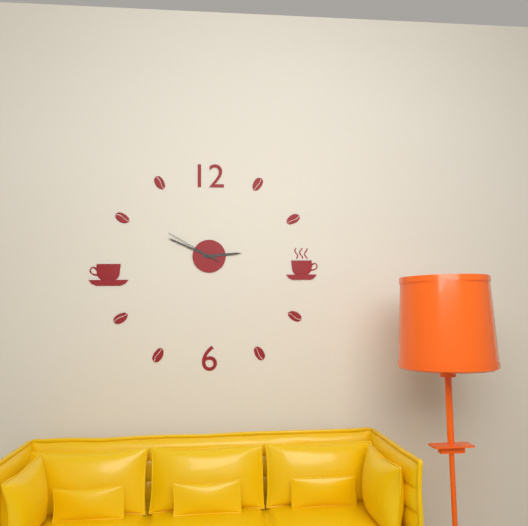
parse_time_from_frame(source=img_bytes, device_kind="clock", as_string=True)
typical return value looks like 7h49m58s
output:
2h49m50s
